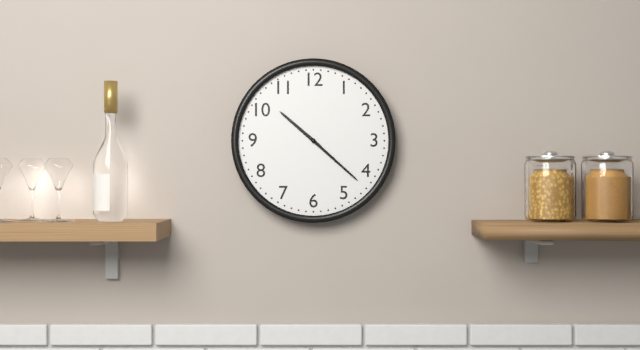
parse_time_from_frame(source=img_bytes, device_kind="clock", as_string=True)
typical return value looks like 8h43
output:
10h22
